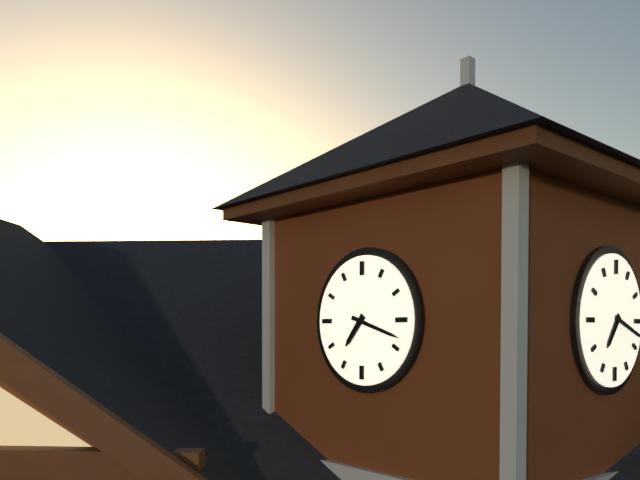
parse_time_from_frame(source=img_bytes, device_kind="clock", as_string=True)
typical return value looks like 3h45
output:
7h18
